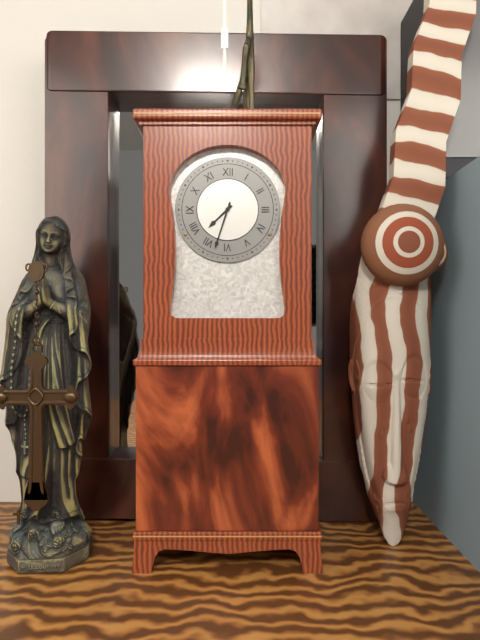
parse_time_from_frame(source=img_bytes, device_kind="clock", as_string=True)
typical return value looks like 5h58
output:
7h33
